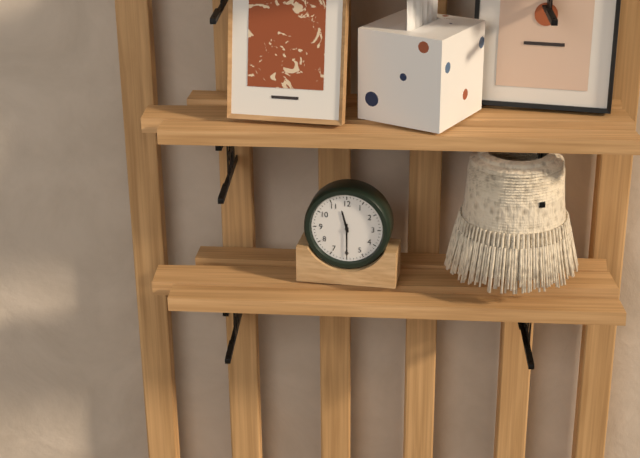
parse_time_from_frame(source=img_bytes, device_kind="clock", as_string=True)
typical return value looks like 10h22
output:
11h30
